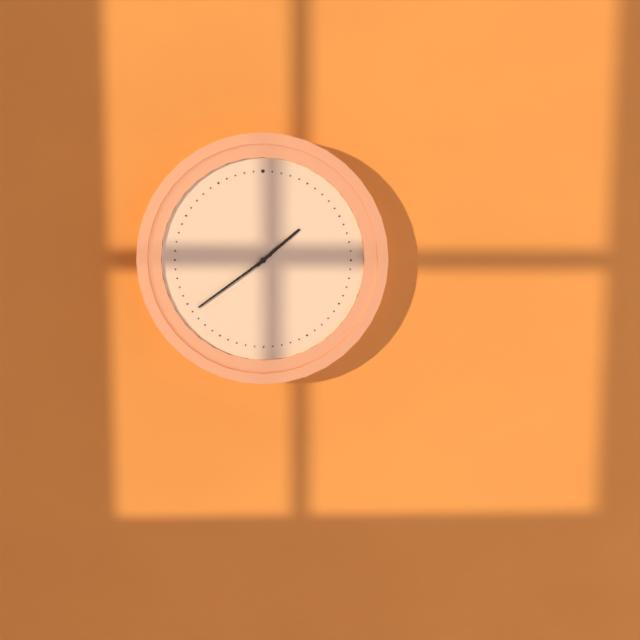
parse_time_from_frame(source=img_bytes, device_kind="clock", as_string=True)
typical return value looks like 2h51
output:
1h39
